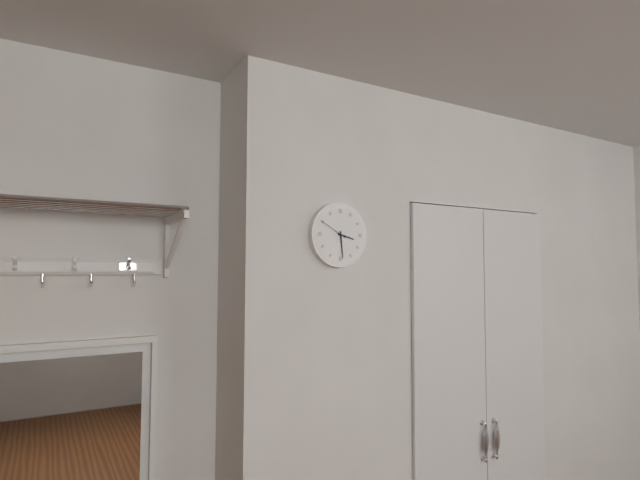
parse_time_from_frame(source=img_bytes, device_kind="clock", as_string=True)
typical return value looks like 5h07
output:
3h29
